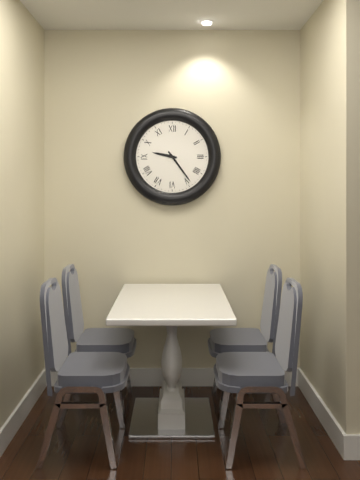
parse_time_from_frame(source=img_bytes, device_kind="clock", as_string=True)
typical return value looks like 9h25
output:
9h24
